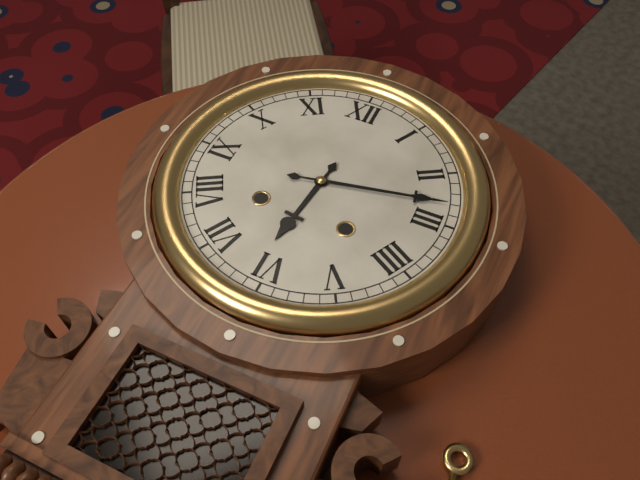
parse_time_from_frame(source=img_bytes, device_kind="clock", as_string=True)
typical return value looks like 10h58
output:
6h13
